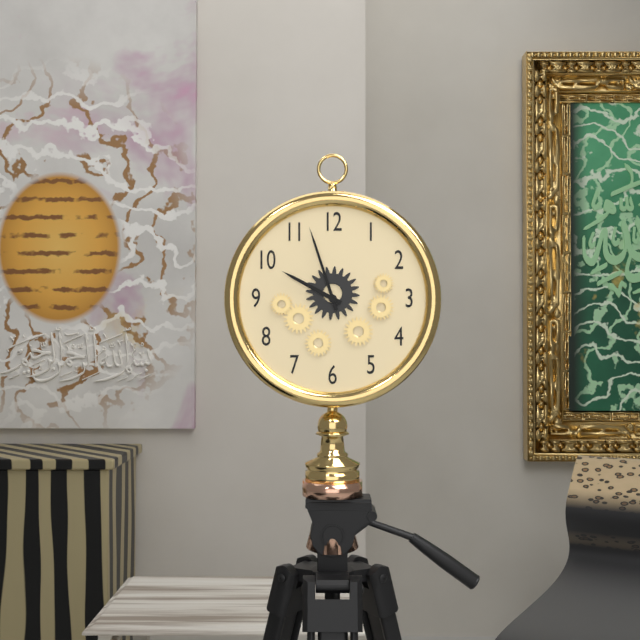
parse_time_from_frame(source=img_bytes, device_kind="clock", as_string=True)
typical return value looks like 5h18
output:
9h57
